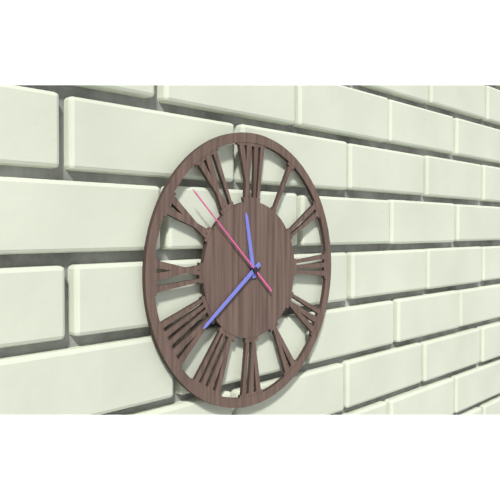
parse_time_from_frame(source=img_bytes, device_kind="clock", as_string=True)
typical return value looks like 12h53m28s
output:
11h39m52s
